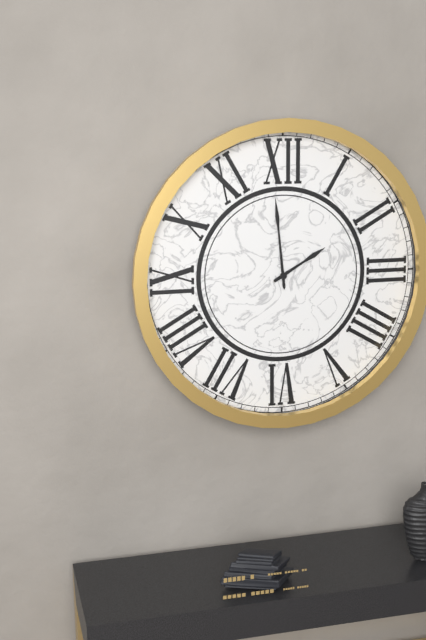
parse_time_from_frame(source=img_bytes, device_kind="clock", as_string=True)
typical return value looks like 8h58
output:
1h59
